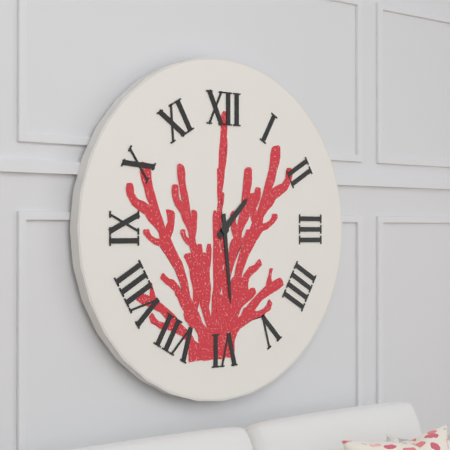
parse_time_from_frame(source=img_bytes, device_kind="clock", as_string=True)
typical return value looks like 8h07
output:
1h29
